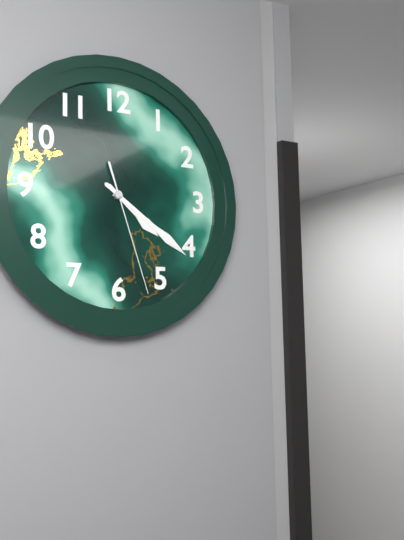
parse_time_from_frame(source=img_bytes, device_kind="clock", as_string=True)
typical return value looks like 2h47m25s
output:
4h21m27s
